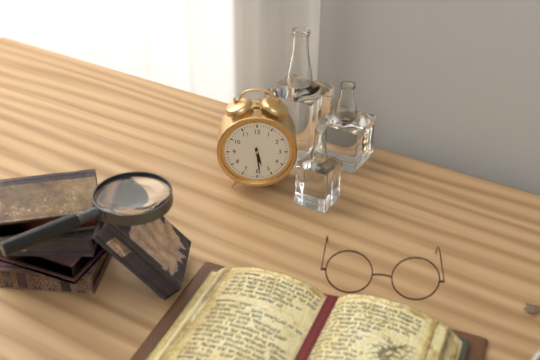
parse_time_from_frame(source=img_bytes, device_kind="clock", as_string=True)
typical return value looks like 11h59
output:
5h29
